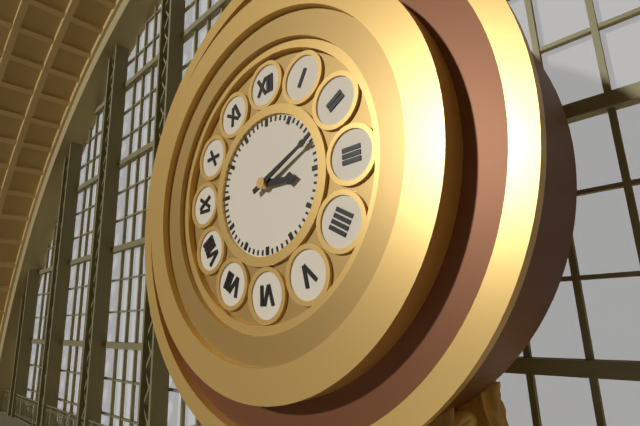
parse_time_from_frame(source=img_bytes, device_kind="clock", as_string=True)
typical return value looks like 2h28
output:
3h11
